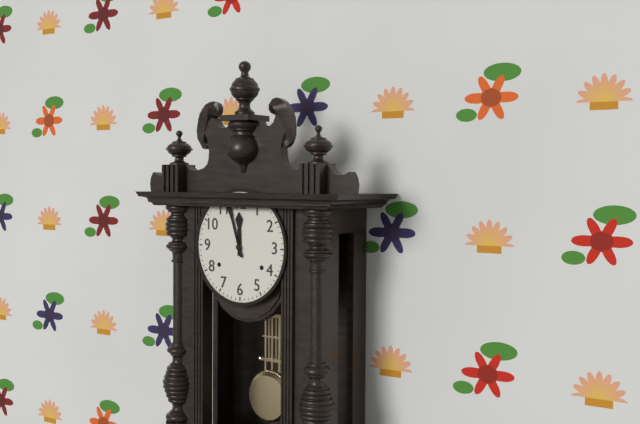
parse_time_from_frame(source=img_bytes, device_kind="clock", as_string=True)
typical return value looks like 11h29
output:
11h57
